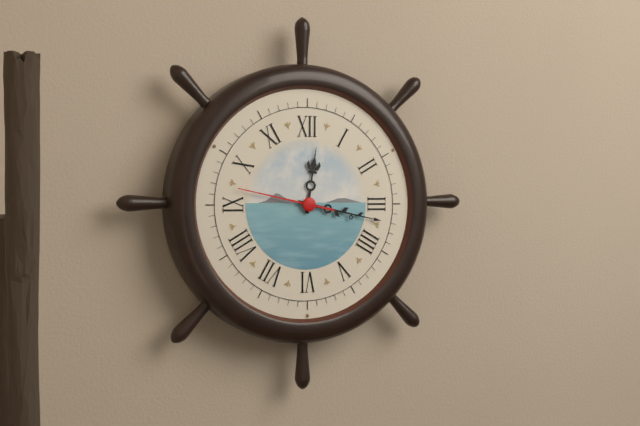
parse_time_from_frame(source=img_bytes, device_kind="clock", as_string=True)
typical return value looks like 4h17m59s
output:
12h17m47s
